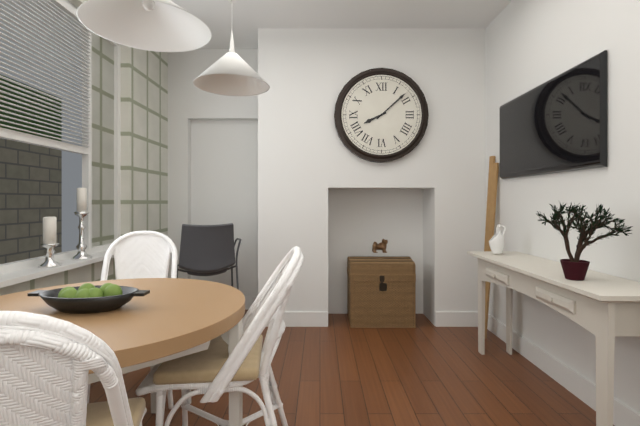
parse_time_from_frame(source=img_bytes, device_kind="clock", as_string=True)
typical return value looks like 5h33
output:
8h08
